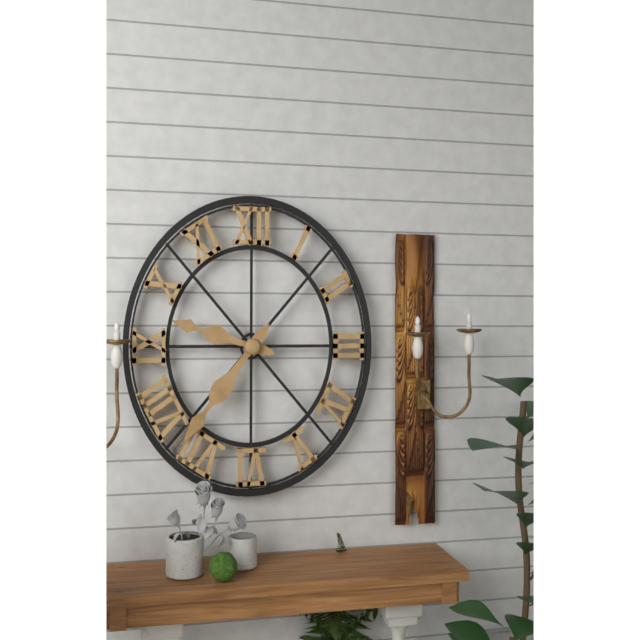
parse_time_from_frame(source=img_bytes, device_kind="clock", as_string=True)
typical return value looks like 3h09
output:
9h36
